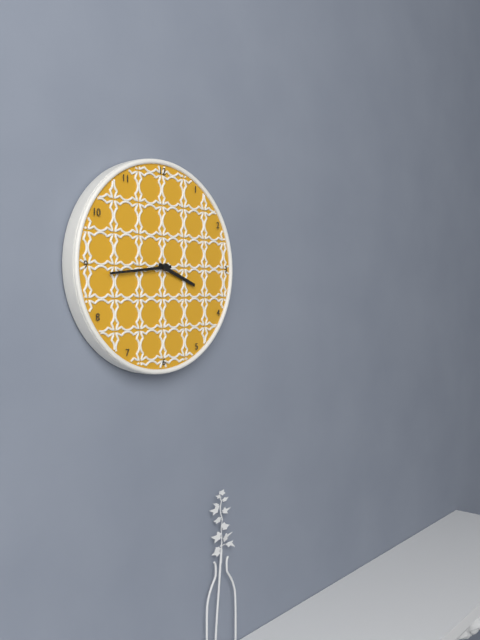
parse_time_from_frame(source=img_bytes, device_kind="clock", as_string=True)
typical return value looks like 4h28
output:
3h44
